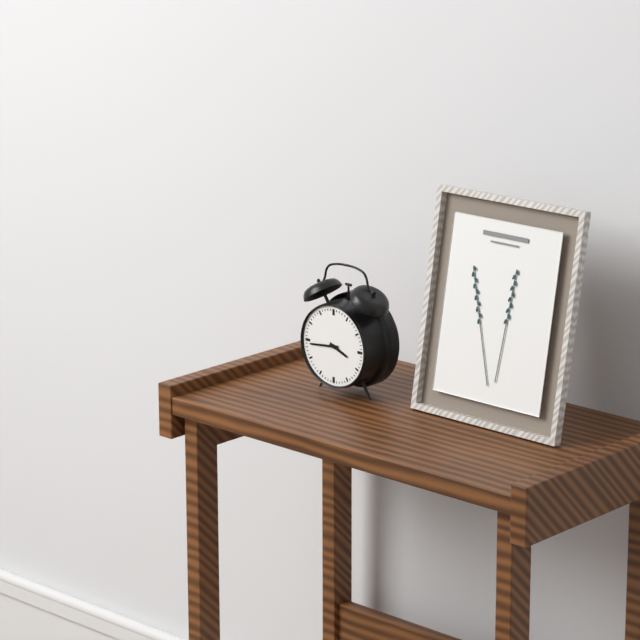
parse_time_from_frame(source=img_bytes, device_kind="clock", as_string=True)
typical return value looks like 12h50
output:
3h44
